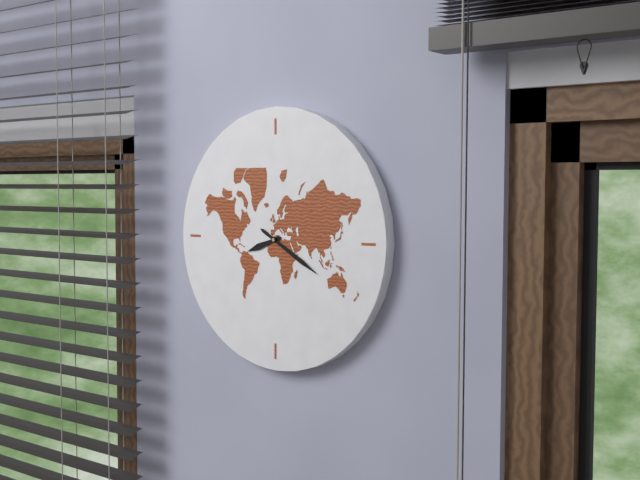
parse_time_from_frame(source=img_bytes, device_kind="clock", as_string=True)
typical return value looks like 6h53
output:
8h20
